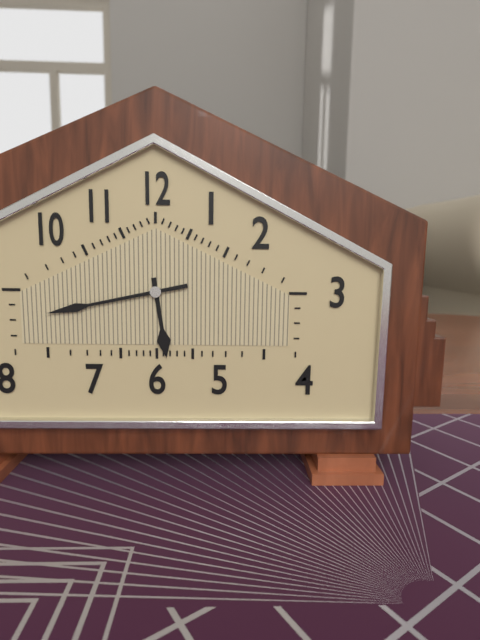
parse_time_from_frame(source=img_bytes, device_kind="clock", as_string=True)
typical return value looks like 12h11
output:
5h43
